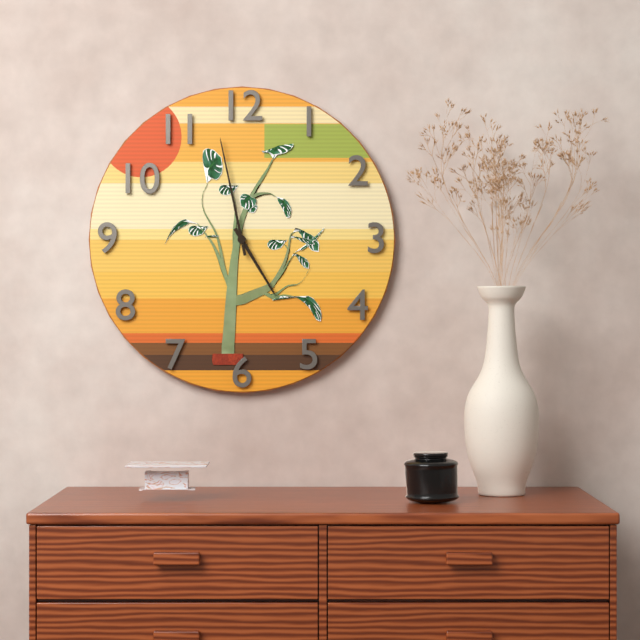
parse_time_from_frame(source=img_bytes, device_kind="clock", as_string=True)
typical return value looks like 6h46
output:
4h58
